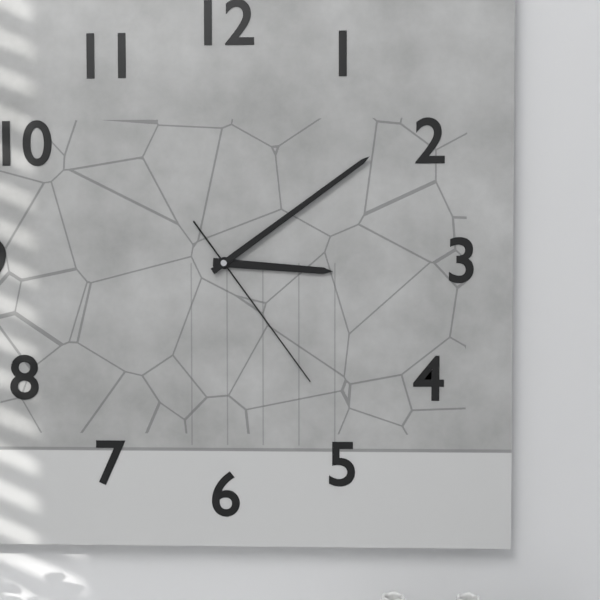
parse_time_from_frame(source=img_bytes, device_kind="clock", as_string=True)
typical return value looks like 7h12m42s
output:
3h09m24s
